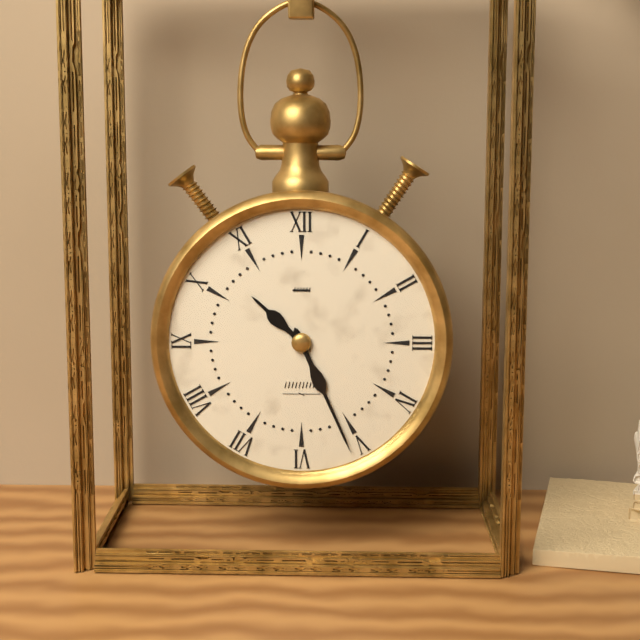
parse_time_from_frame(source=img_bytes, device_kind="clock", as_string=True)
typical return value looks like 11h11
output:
10h26
